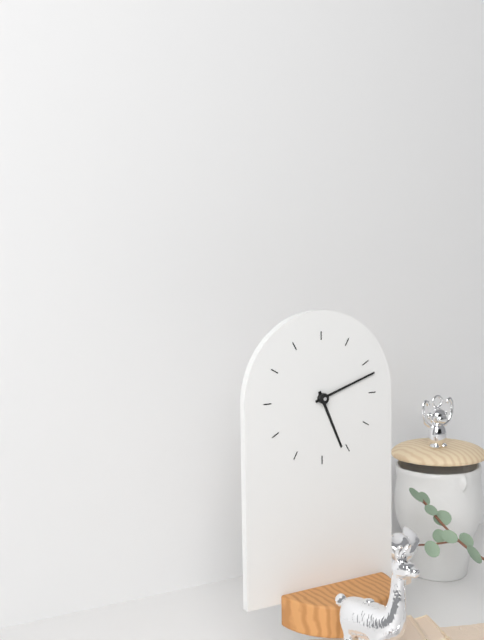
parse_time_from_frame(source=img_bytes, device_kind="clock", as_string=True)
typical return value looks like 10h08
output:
5h12
